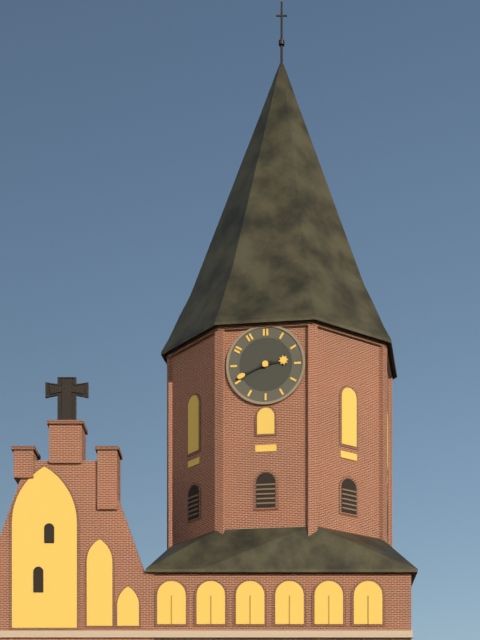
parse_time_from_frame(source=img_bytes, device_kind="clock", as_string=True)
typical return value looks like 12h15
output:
2h41
